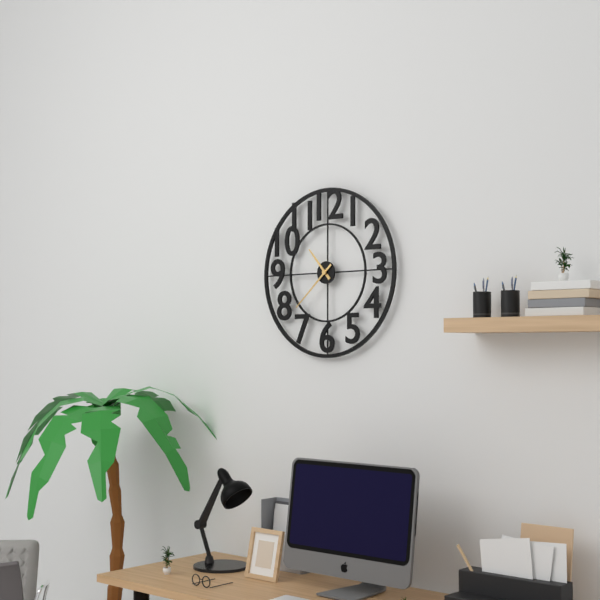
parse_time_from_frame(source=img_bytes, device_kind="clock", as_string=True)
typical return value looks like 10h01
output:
10h38
